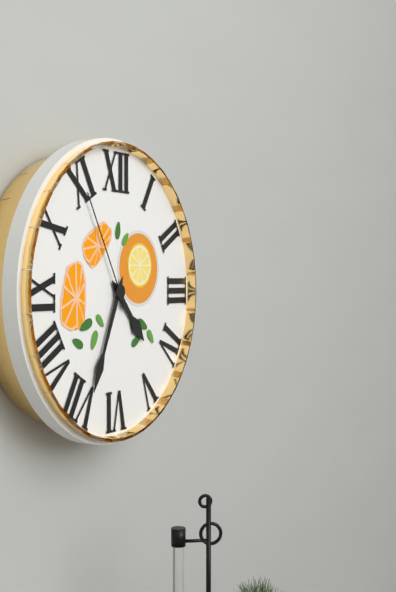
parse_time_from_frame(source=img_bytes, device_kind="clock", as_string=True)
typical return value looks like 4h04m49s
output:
4h34m55s
